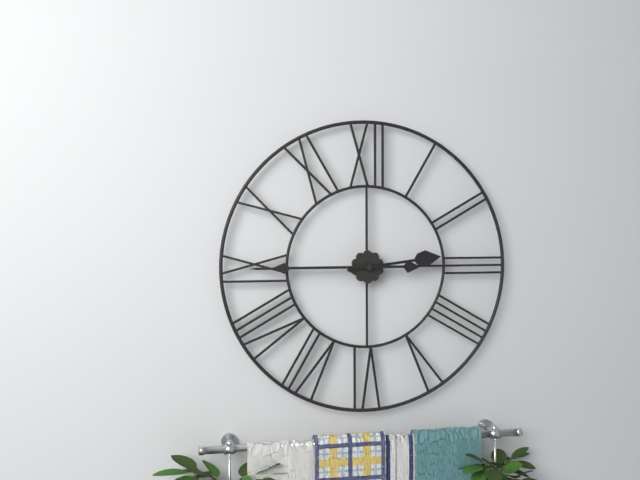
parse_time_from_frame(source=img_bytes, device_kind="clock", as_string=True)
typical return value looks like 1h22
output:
2h45
